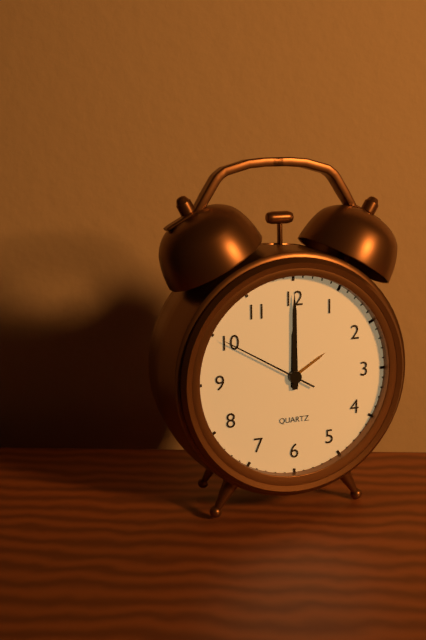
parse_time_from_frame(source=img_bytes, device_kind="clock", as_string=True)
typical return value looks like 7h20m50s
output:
12h00m50s
